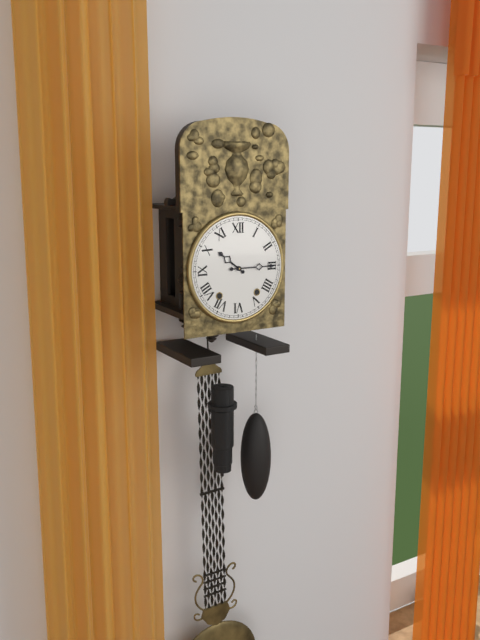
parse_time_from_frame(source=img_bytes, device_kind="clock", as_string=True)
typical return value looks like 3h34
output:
10h15
